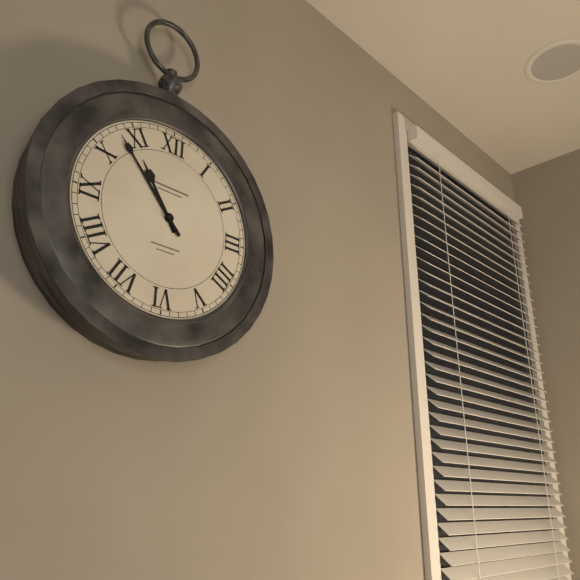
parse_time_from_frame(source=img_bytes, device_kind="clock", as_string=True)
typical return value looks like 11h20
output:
10h53
